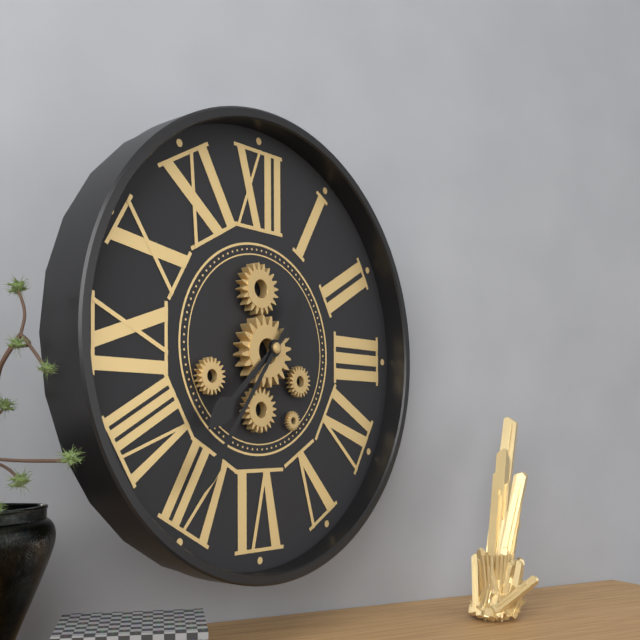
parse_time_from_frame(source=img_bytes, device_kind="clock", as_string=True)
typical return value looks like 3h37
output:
7h36
